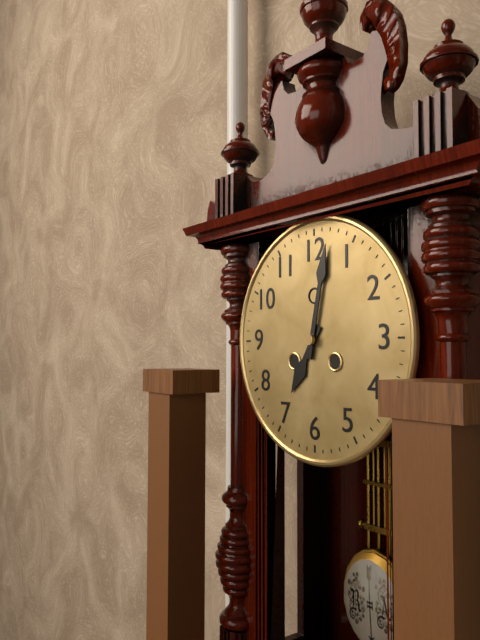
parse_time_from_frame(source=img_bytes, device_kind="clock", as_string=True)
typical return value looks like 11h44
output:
7h02
